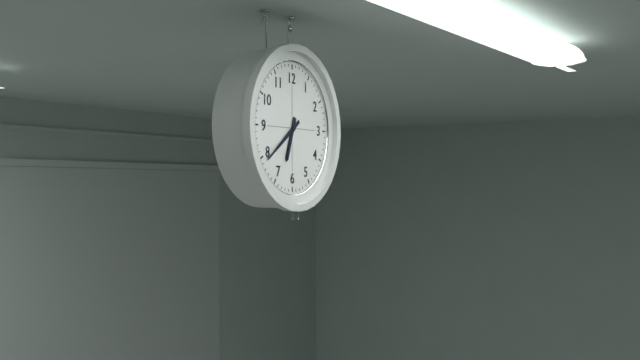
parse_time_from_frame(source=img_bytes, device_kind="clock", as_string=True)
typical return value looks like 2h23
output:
6h39
